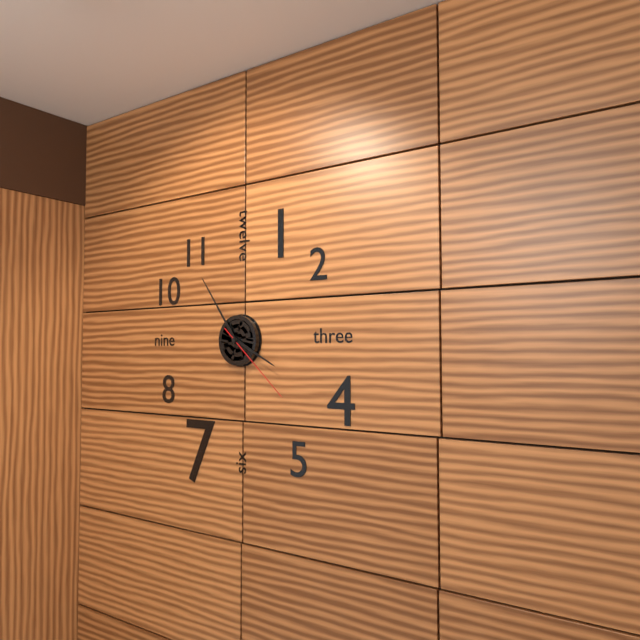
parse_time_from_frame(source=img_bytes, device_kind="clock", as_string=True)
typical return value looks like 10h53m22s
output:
3h54m22s
